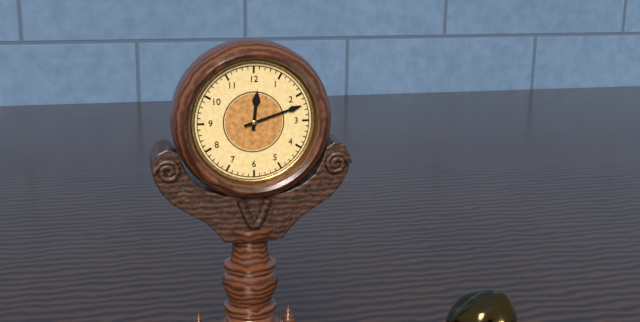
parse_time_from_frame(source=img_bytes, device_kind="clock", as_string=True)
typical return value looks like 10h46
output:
12h12
